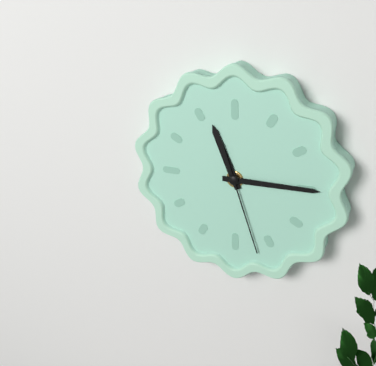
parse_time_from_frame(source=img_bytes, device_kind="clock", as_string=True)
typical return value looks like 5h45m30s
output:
11h15m27s
